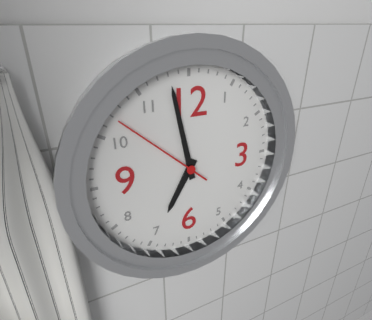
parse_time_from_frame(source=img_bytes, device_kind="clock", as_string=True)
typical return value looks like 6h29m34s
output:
6h58m52s
